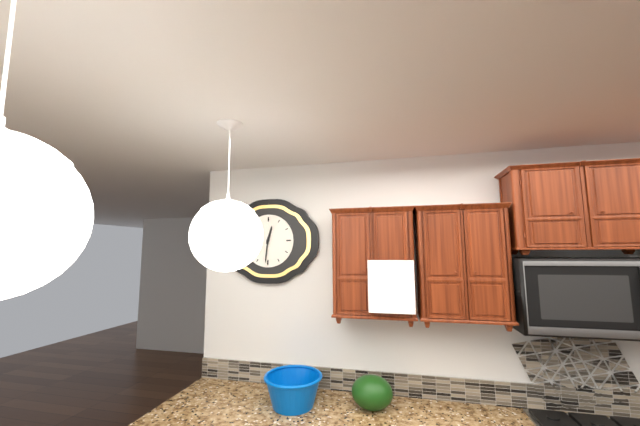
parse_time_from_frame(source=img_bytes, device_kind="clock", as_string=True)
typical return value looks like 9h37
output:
12h31
